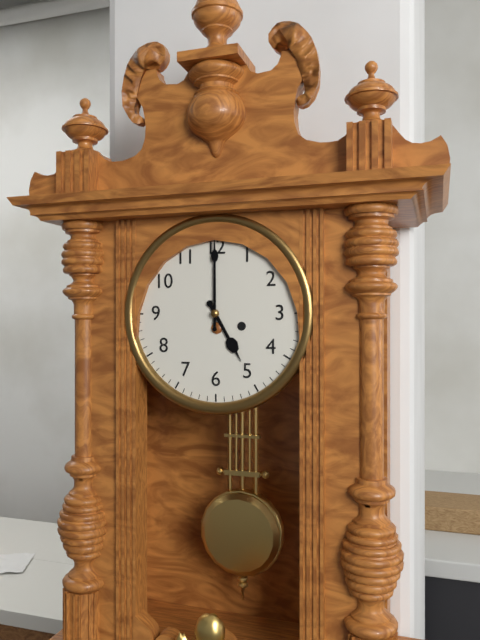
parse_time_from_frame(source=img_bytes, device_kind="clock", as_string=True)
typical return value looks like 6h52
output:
5h00
